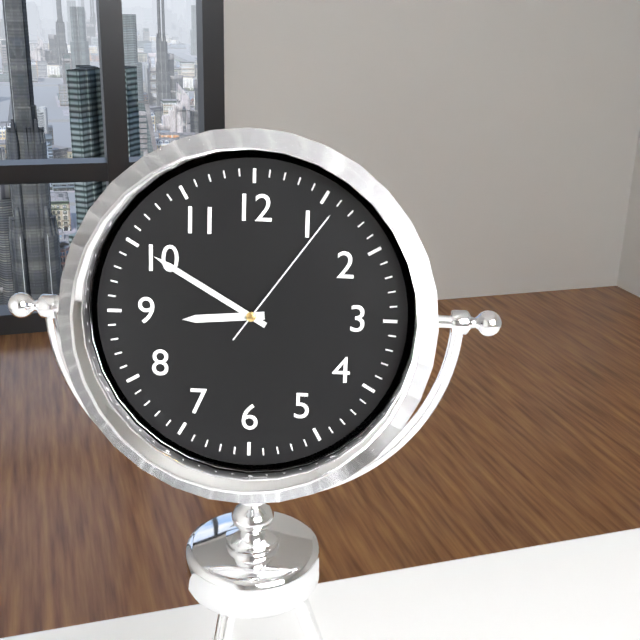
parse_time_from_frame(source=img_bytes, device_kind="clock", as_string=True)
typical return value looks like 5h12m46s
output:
8h50m06s
